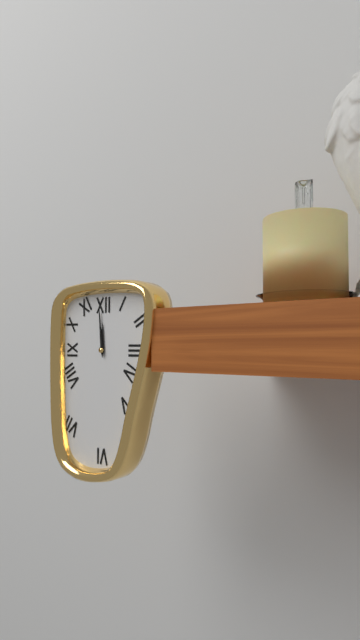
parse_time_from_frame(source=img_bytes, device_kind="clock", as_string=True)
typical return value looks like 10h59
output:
11h59
